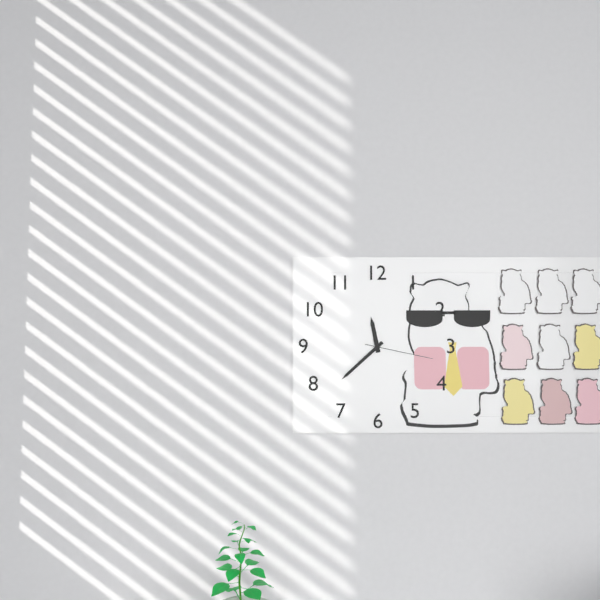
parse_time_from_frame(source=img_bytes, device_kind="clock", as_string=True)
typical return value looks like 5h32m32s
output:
11h38m17s
